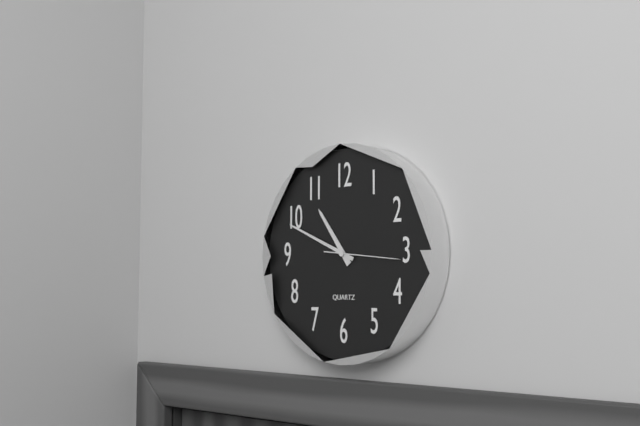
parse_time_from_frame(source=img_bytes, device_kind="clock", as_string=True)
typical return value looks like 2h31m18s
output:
10h49m16s
